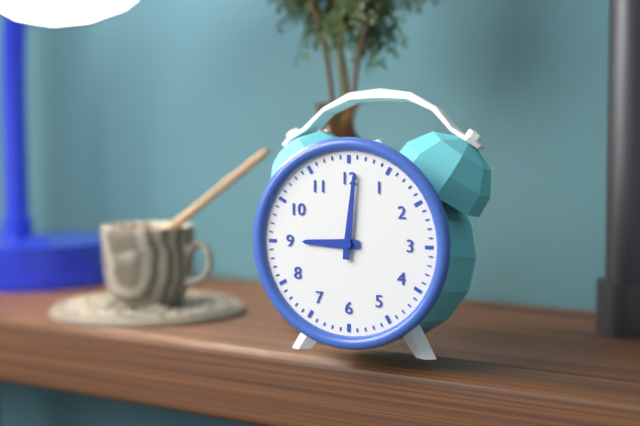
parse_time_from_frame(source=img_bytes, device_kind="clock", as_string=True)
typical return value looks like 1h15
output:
9h01
